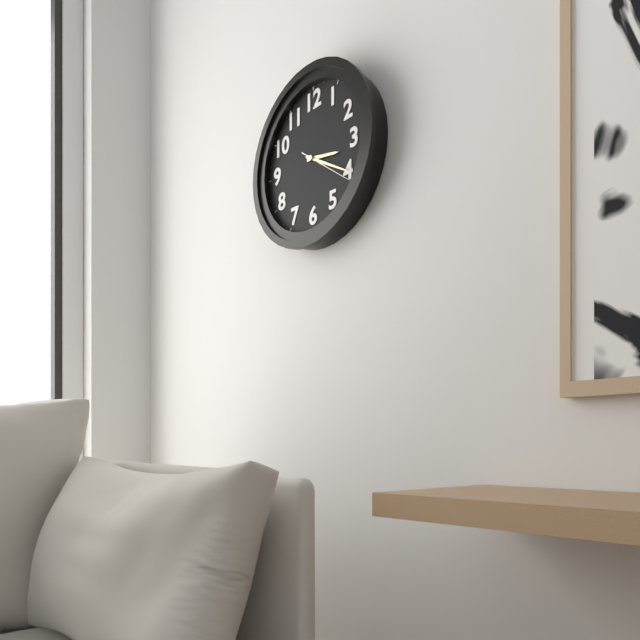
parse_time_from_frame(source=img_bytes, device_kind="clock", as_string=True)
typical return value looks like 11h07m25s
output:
3h20m21s
